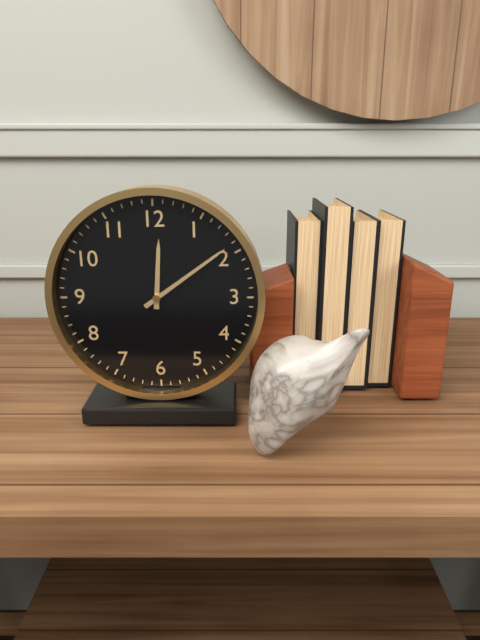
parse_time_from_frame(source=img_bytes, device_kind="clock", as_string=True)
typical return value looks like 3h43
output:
12h09
